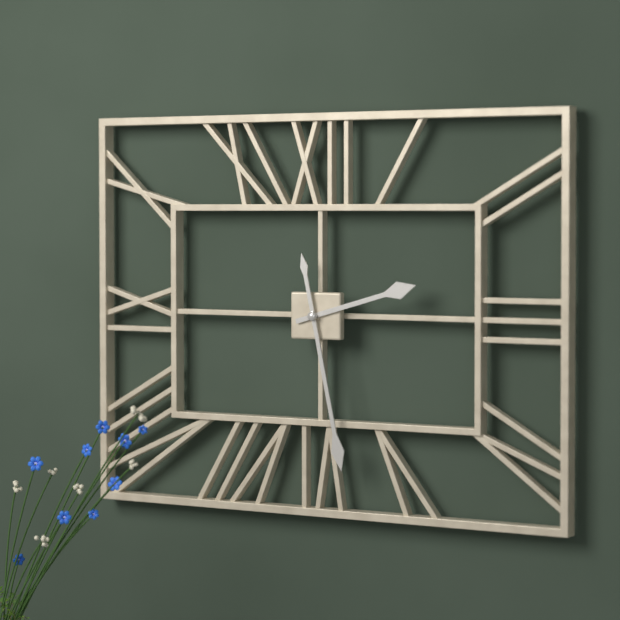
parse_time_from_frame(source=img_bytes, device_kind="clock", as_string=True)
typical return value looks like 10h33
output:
2h28
